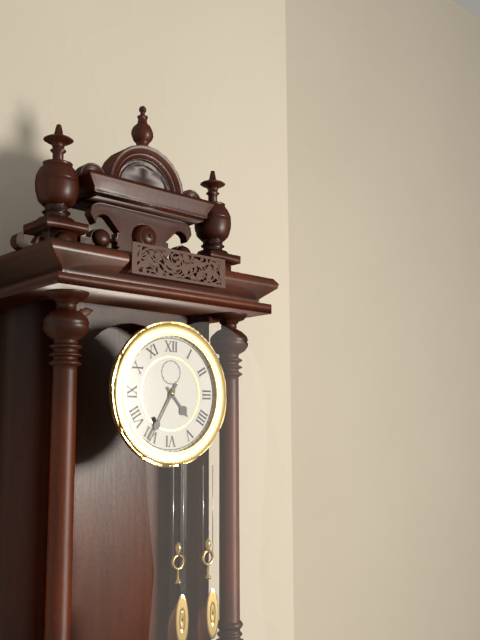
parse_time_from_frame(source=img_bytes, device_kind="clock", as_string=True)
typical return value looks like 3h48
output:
4h35
